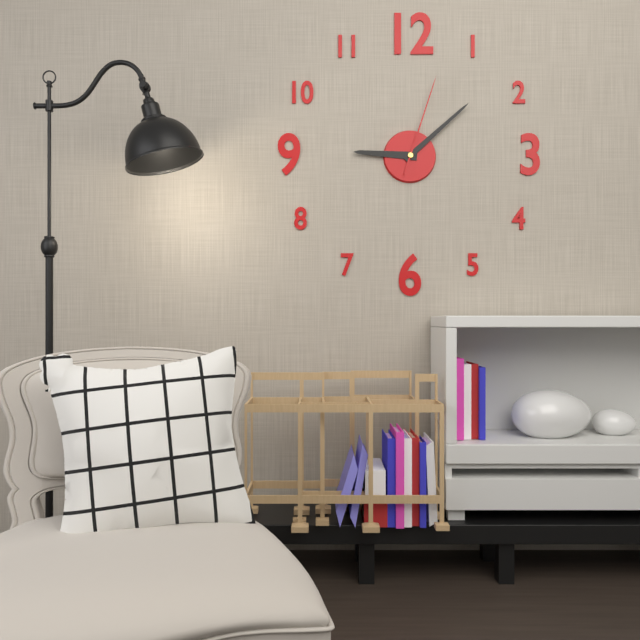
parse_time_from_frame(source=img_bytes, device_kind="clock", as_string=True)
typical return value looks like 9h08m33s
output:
9h08m03s
